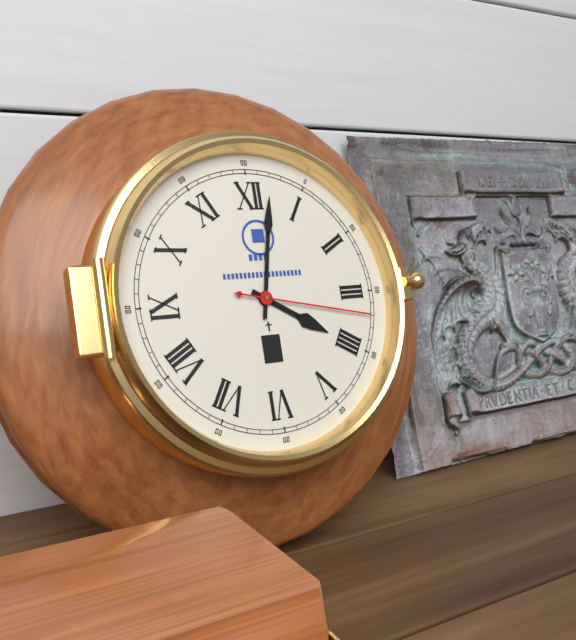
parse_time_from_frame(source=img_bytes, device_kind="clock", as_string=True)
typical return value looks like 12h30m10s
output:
4h02m17s
